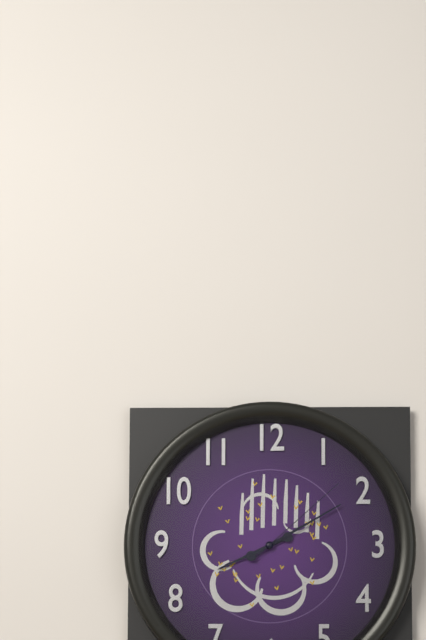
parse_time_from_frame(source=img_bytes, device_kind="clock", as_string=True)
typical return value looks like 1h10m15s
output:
8h10m08s
